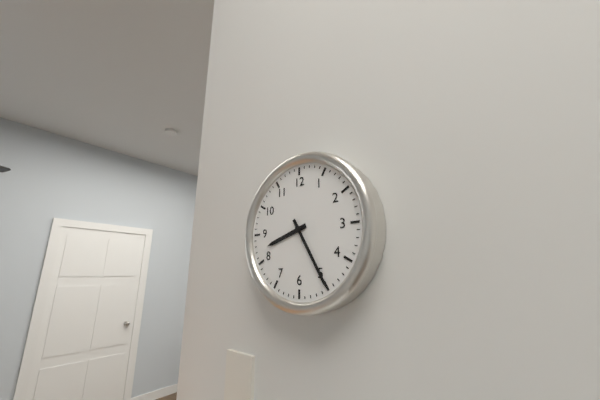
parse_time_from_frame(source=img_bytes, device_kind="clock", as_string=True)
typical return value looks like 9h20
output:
8h25
